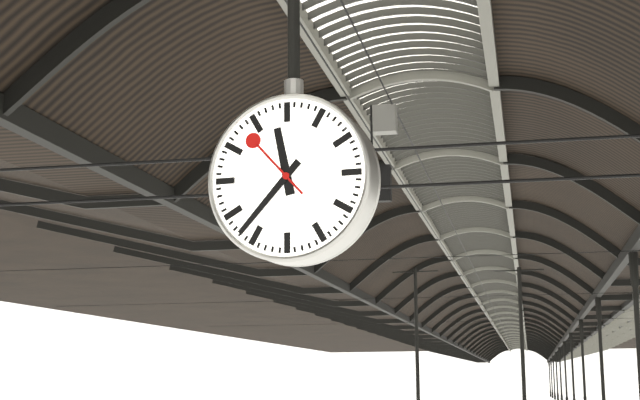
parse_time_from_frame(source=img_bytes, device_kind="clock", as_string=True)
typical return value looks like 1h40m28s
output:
11h37m53s
